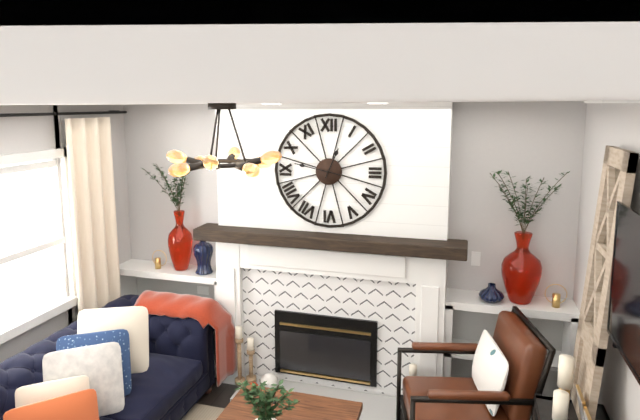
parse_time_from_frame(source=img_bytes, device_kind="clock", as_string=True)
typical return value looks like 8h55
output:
12h47
